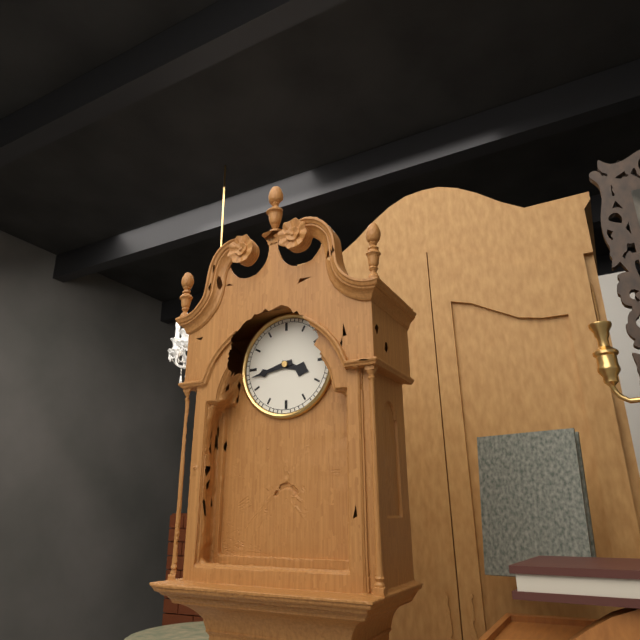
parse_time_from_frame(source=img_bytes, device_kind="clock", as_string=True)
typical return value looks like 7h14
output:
3h43
